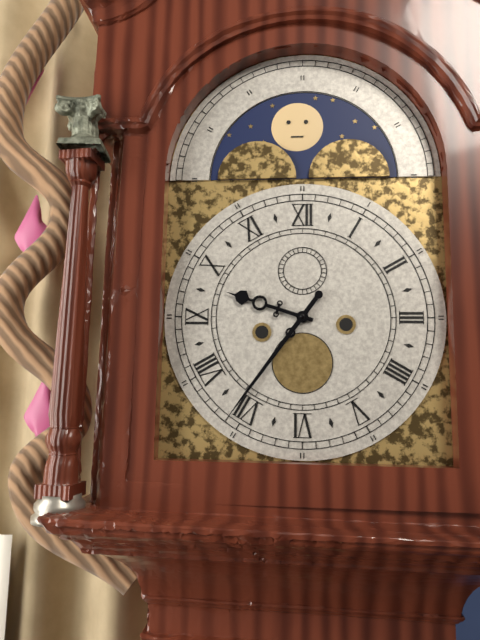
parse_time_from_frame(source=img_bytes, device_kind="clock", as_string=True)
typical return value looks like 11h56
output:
9h36
